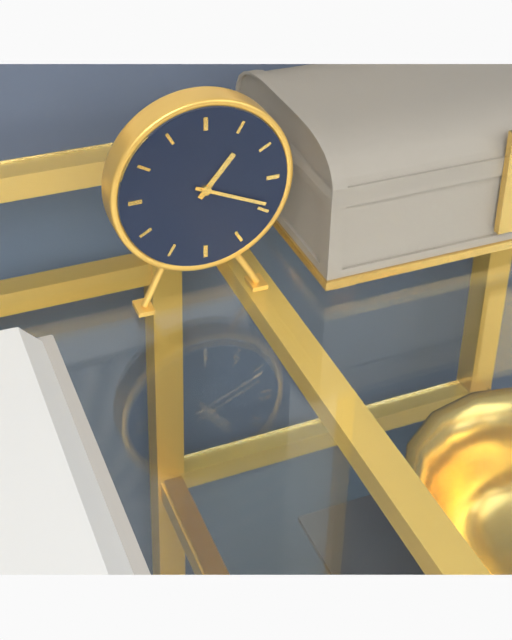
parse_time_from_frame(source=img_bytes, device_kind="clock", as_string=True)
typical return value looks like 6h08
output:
1h19
